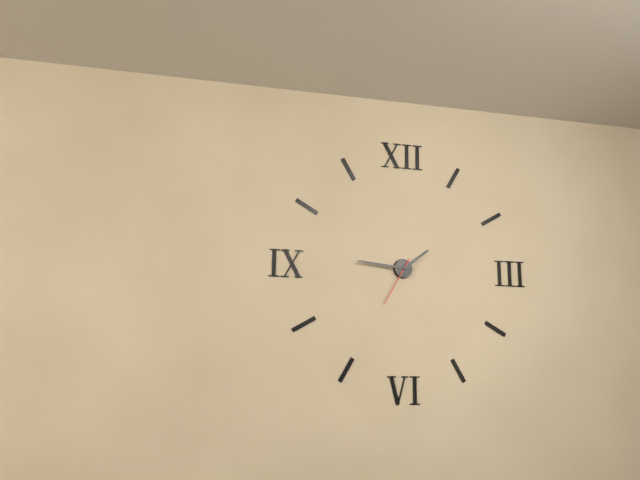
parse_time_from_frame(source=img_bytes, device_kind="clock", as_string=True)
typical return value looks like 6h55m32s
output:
1h46m35s
